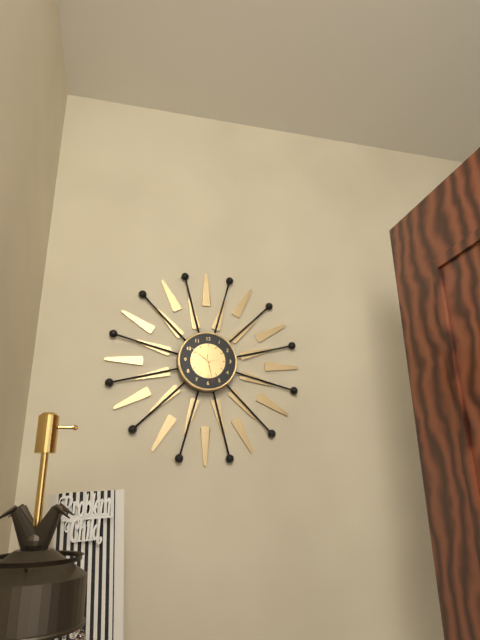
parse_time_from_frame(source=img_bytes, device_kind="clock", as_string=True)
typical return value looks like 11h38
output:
2h51
